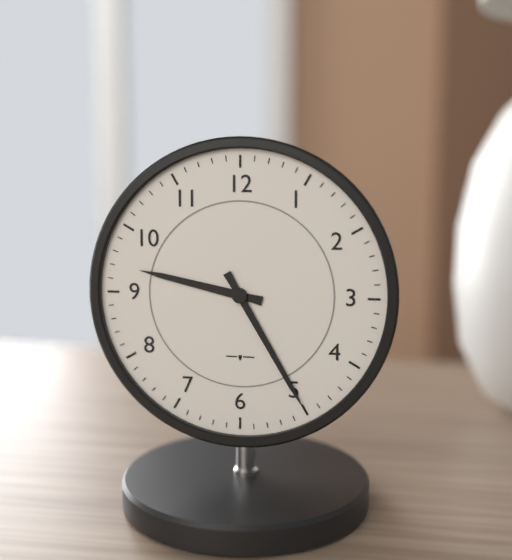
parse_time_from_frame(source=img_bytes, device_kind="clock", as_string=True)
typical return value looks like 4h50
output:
9h25
